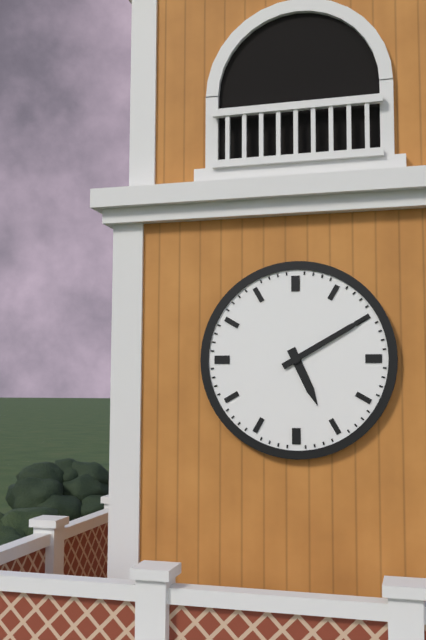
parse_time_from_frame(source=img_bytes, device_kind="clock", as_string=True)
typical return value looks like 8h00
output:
5h10
